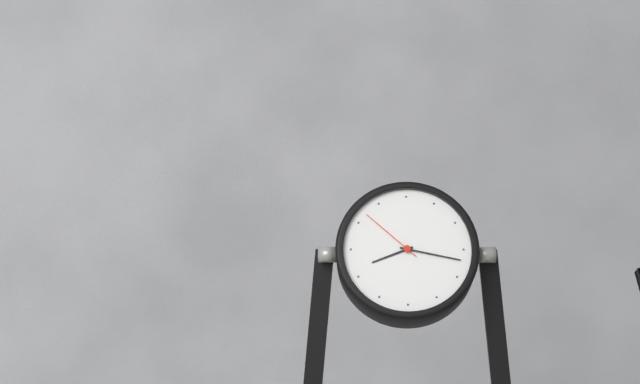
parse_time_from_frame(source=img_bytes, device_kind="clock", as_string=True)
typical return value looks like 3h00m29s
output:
8h17m52s
